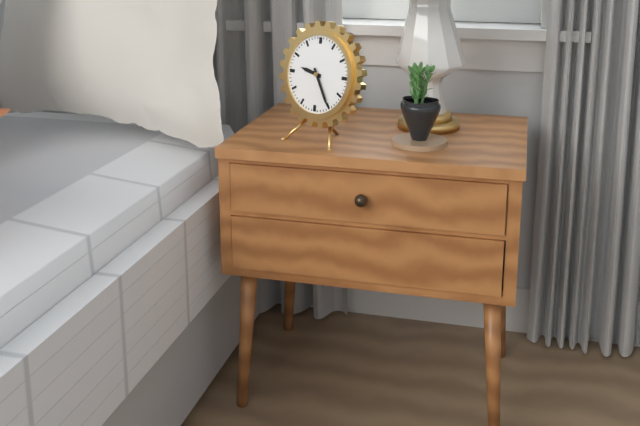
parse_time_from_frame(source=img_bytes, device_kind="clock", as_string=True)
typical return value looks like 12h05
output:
9h25
